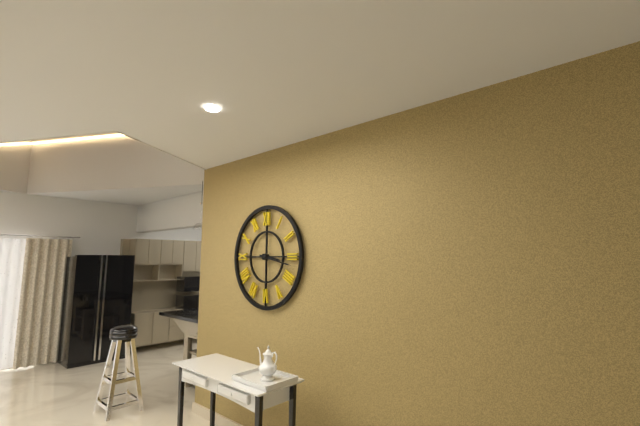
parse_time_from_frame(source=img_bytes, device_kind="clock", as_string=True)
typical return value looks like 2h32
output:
3h17
